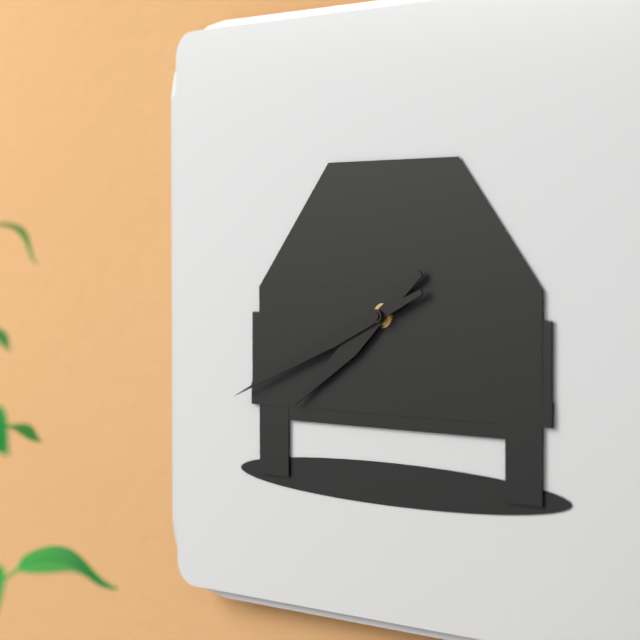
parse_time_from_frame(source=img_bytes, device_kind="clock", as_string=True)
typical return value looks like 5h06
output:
7h41
